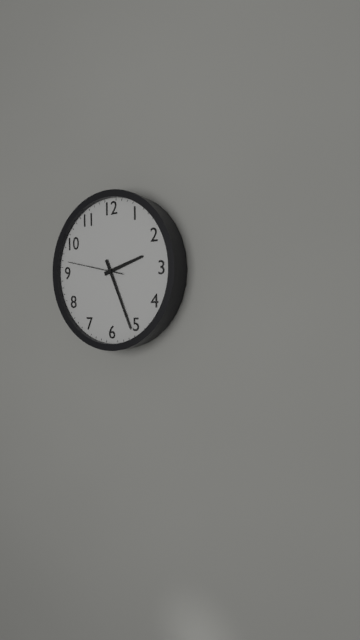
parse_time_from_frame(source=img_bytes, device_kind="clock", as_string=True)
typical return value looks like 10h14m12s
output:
2h26m47s
